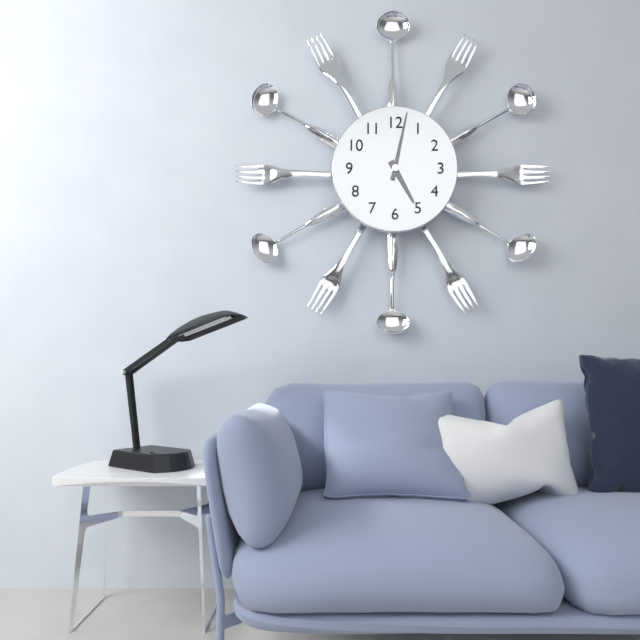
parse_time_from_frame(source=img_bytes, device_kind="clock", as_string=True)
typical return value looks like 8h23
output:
5h02
